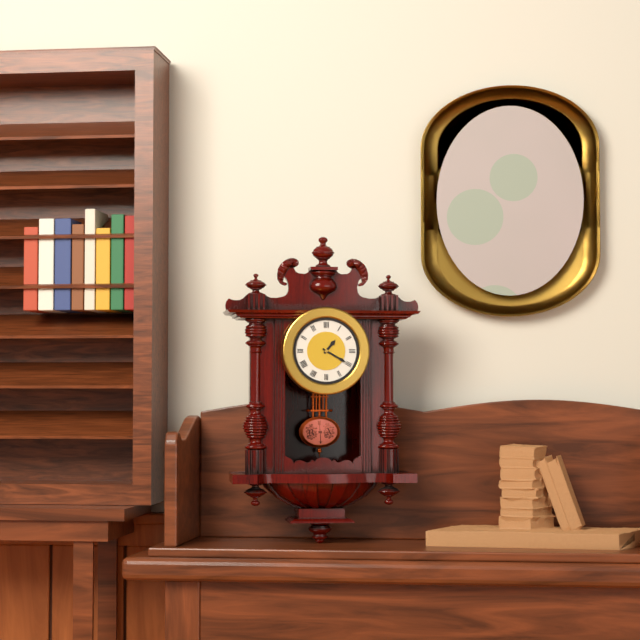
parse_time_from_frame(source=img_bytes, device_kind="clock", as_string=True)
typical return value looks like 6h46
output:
1h20
